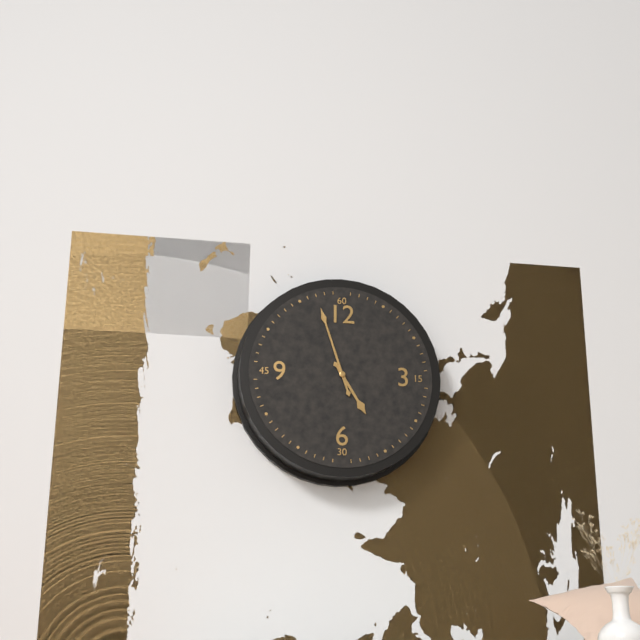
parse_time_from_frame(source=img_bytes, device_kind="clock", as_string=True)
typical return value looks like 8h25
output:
4h57
